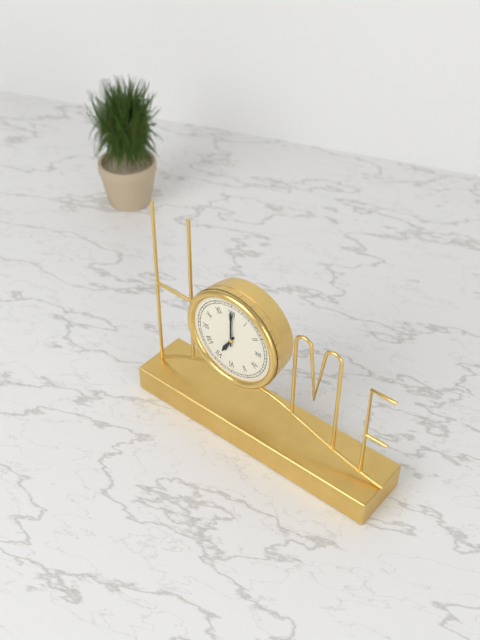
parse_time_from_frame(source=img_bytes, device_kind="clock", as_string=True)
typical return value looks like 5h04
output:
7h00
